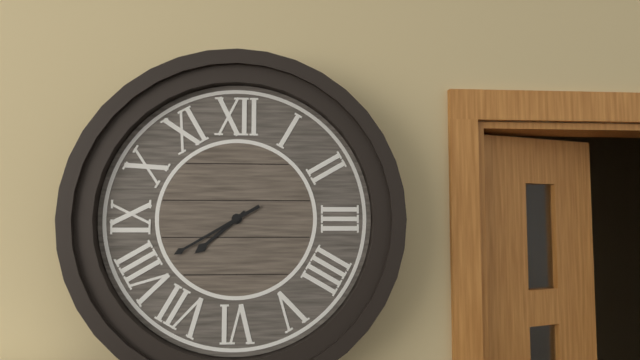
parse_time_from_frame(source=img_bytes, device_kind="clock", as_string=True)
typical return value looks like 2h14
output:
7h40
